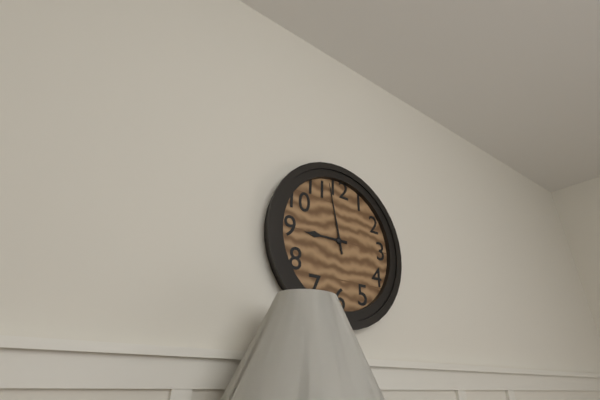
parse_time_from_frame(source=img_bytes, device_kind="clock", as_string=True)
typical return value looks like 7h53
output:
8h58
